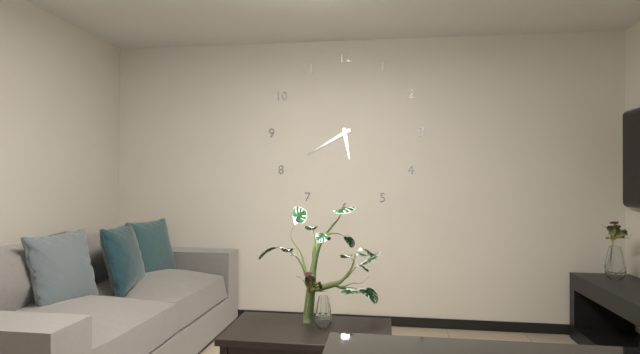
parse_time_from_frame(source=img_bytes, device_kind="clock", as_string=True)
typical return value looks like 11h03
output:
5h40
